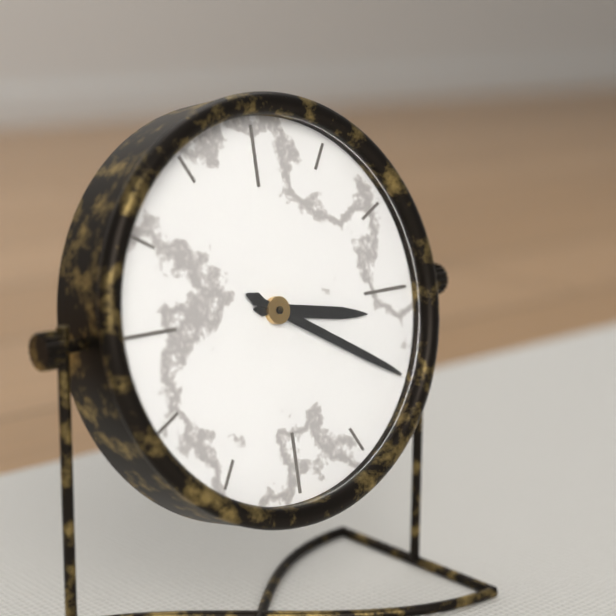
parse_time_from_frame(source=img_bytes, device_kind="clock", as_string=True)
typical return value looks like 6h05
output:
3h20
